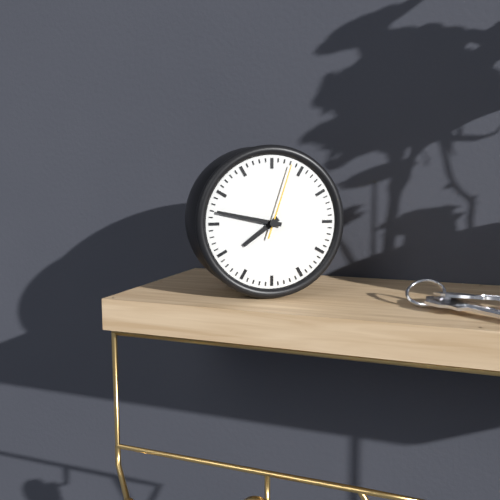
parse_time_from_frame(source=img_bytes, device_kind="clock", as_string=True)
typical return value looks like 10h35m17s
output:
7h47m03s
